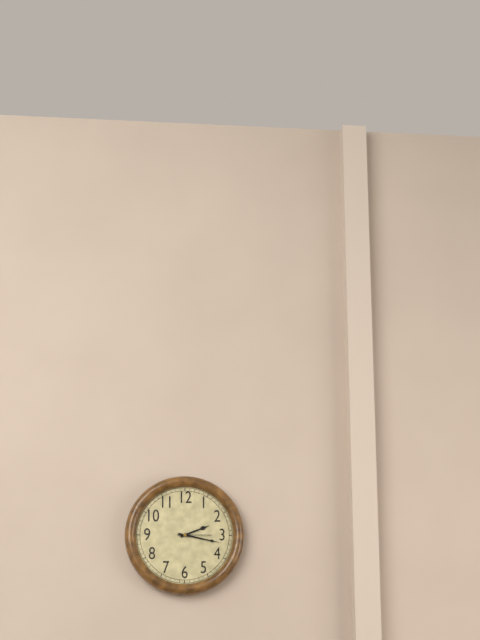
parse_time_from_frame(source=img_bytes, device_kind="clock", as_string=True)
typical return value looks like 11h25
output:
2h17
